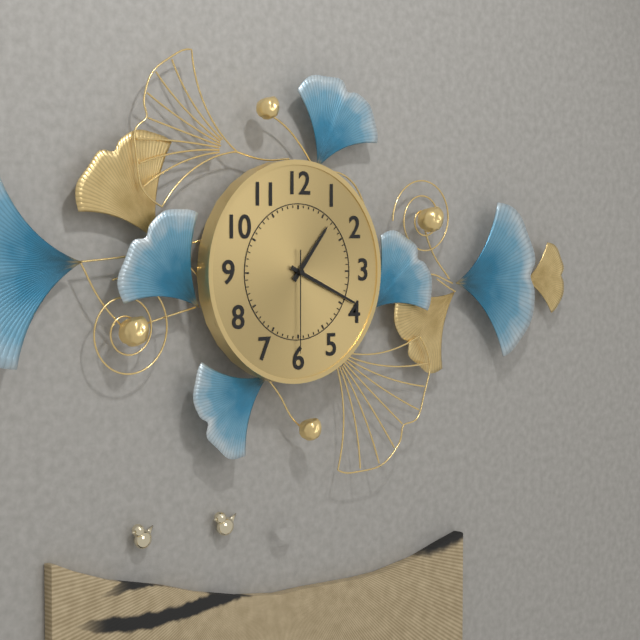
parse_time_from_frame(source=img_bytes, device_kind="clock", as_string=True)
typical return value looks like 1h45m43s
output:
1h19m30s
